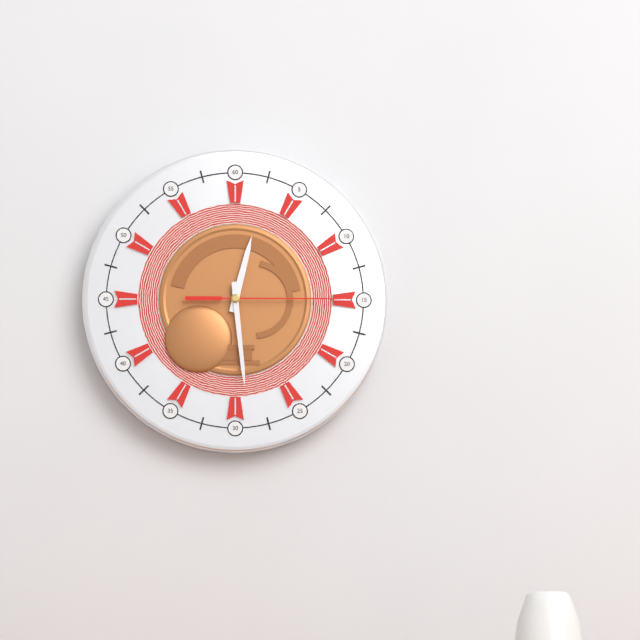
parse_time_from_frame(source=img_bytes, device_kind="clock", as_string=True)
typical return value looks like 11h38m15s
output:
12h29m15s
